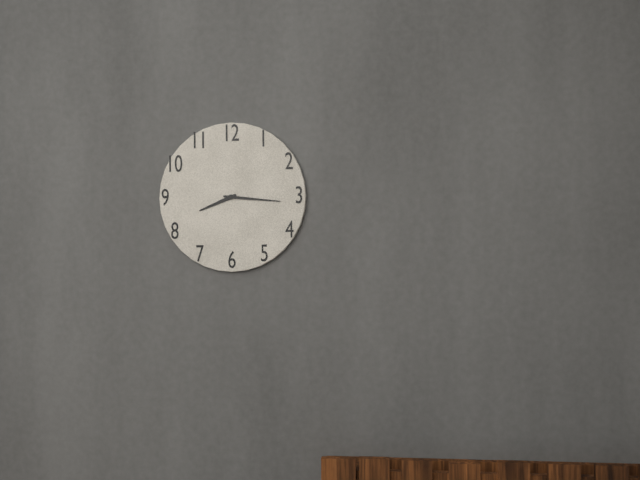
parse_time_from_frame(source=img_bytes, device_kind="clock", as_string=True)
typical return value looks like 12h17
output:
8h16
